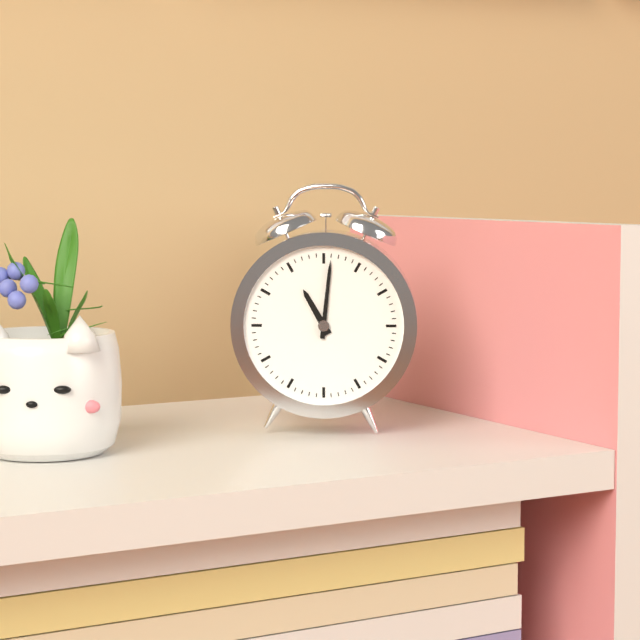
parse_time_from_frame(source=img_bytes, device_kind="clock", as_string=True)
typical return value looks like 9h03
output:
11h01
